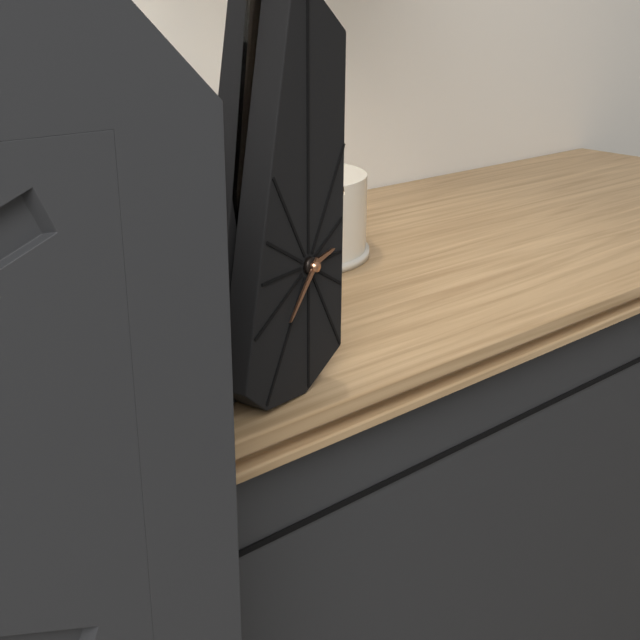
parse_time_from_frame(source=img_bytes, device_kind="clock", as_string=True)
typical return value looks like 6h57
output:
2h37
